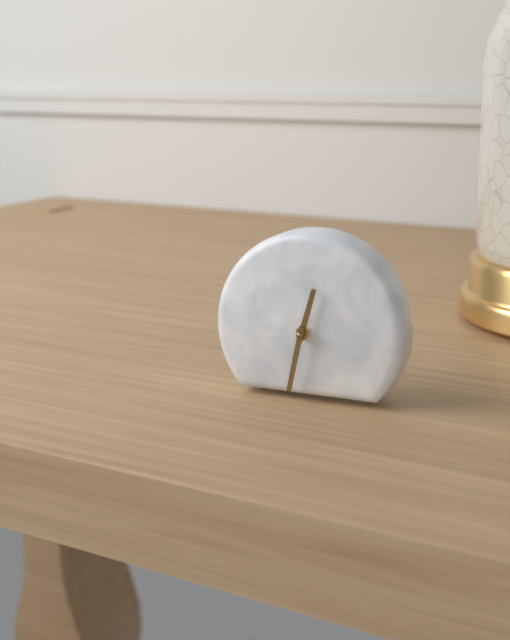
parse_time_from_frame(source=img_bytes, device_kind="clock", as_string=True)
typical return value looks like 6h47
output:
12h32
